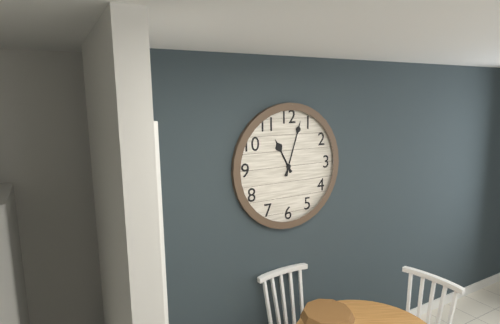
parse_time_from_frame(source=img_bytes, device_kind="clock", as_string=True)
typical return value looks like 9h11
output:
11h03
